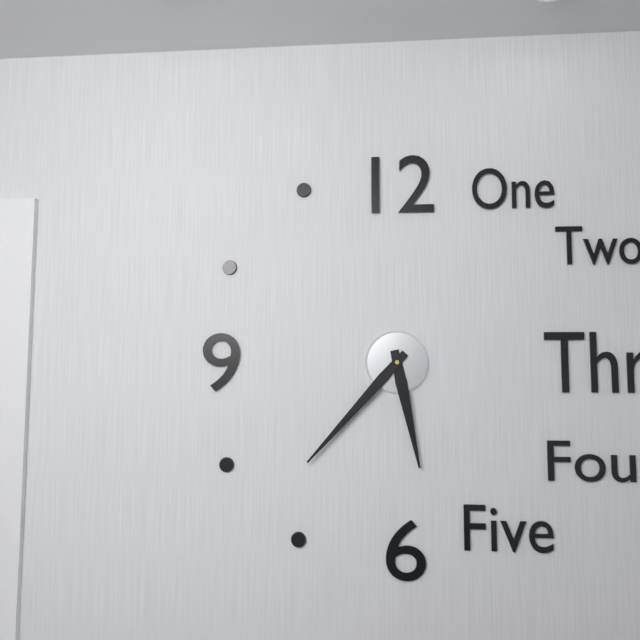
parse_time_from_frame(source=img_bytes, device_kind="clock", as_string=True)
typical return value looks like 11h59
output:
5h37
